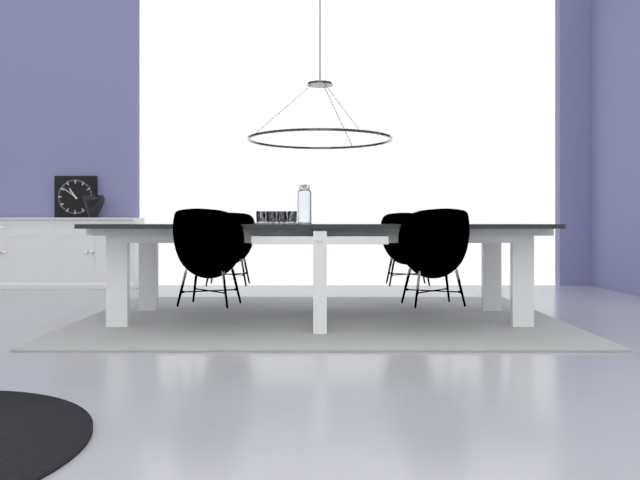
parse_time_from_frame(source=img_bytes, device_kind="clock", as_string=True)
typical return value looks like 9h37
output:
10h51
